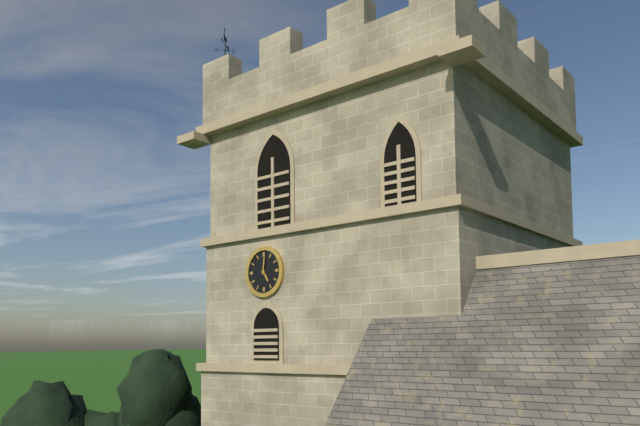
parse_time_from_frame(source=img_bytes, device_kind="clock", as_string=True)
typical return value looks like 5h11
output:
5h01
